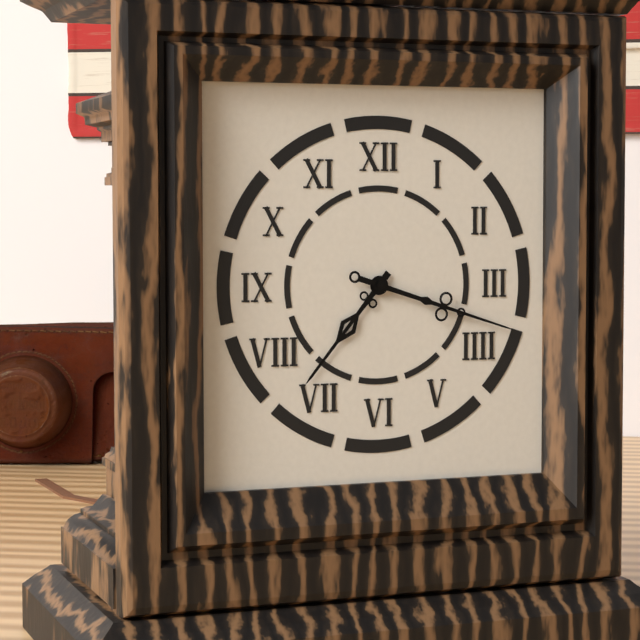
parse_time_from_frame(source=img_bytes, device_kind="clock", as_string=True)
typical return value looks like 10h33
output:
7h18
